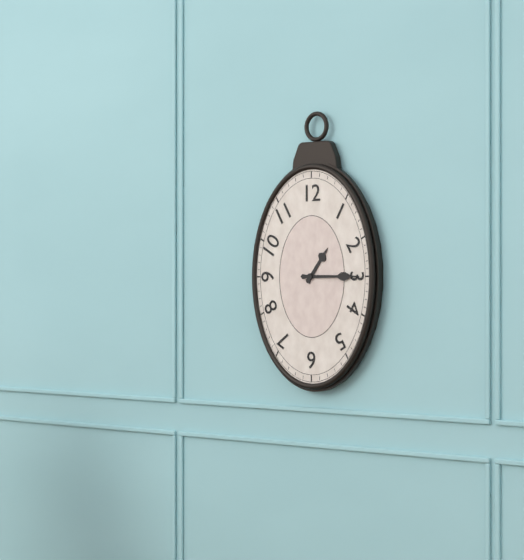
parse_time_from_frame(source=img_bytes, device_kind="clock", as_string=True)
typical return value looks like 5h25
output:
1h15
